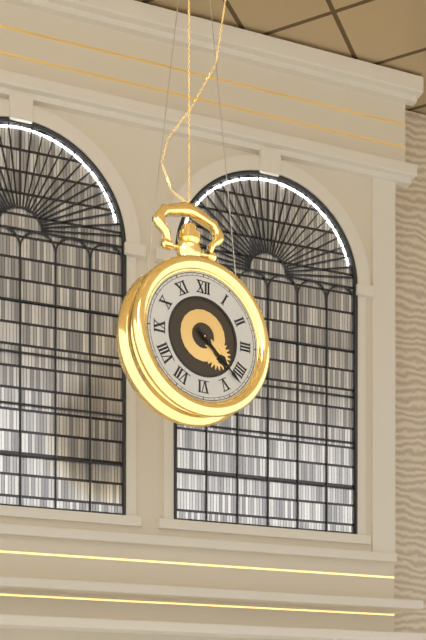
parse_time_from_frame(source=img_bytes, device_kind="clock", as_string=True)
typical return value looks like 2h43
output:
4h22
